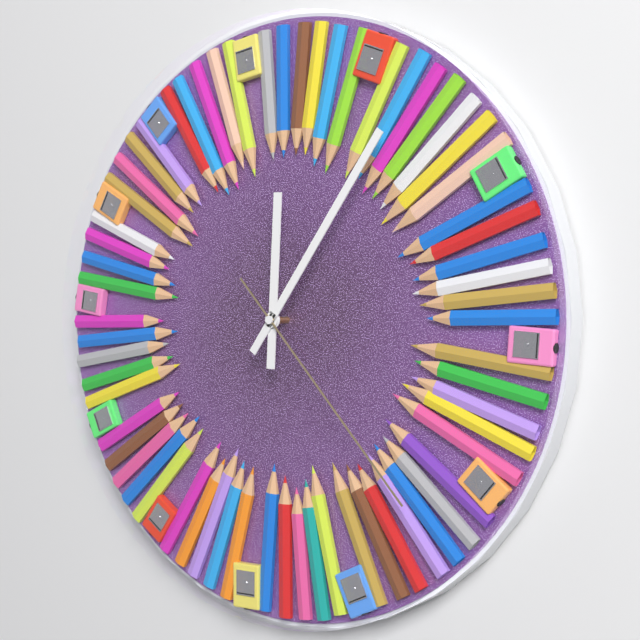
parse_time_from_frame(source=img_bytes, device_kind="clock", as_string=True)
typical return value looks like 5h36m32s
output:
12h06m23s
